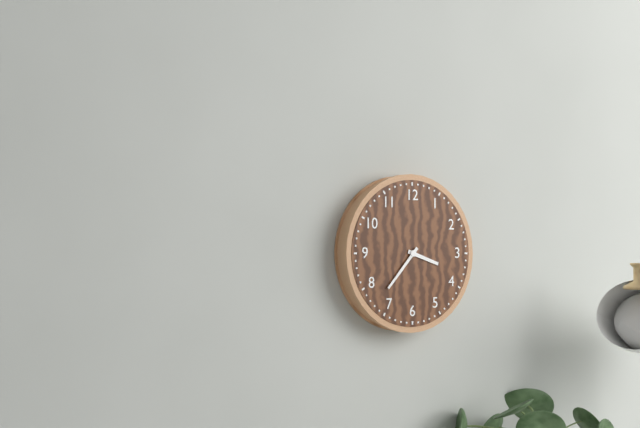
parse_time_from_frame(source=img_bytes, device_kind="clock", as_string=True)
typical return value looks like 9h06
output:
3h37
